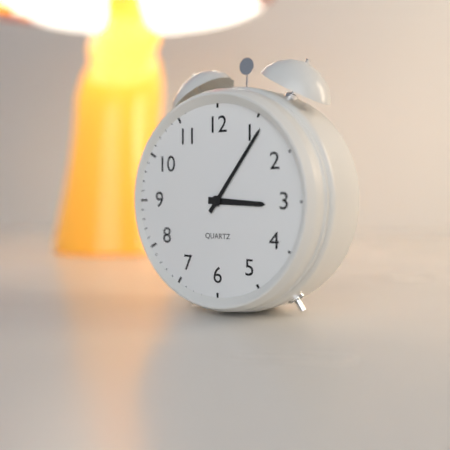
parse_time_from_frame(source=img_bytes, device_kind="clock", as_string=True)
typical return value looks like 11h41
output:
3h06
